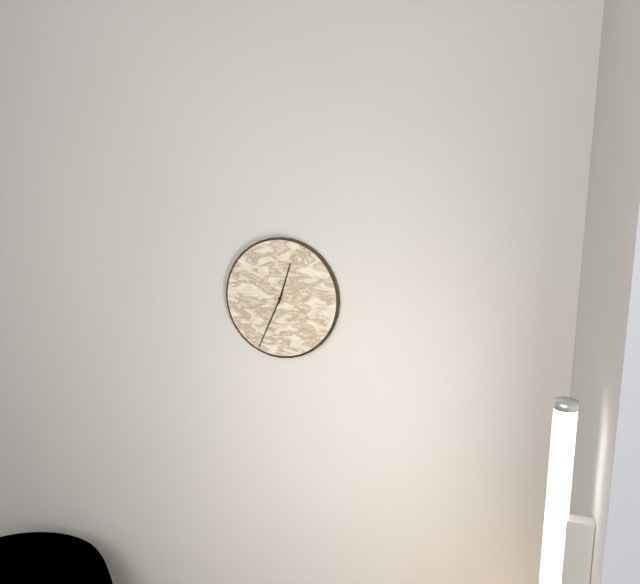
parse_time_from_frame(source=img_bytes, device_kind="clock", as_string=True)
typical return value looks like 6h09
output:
12h34
